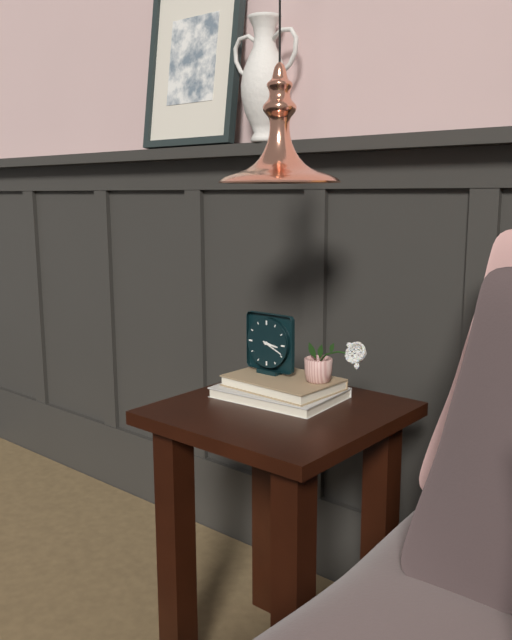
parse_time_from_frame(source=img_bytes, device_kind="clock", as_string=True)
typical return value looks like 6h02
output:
3h19
